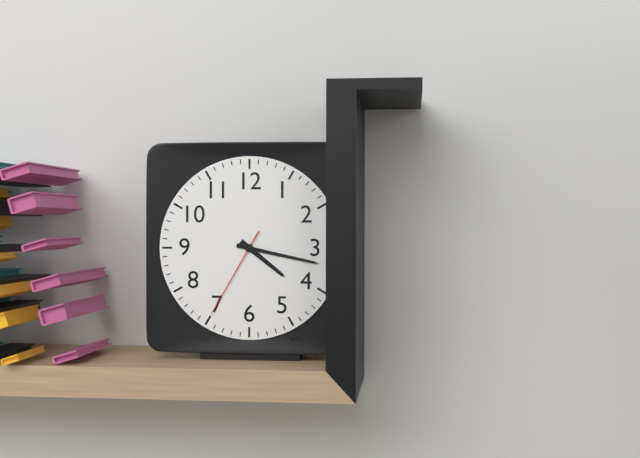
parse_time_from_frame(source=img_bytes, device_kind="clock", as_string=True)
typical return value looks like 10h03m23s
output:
4h17m35s
